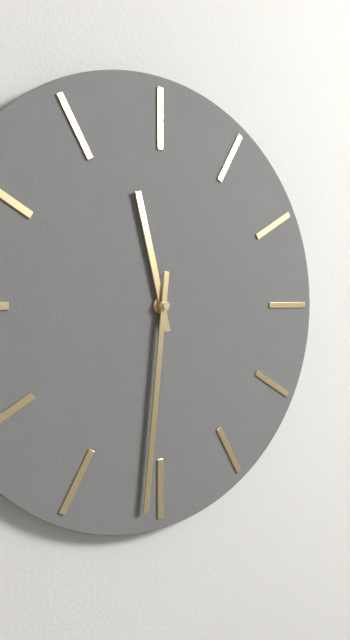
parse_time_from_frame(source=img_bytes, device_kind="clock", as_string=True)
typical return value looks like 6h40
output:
11h31
